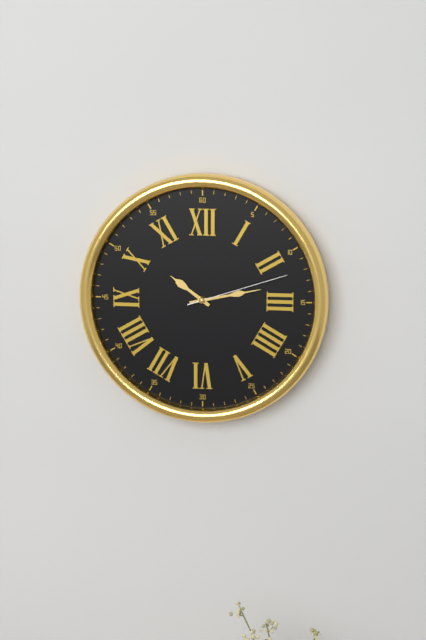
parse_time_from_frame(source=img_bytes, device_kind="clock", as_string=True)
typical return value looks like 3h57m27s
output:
10h13m12s
